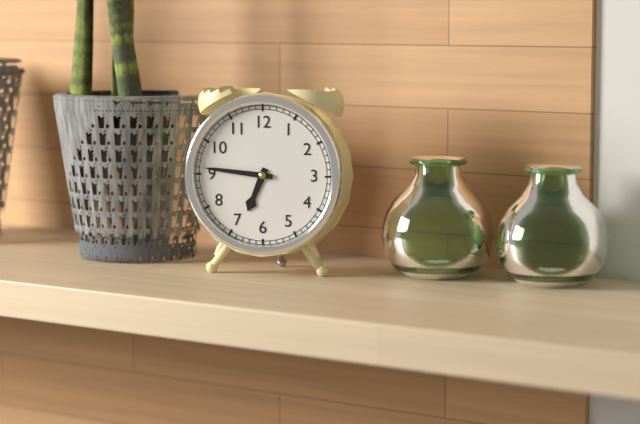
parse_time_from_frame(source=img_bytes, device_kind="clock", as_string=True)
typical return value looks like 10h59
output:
6h46
